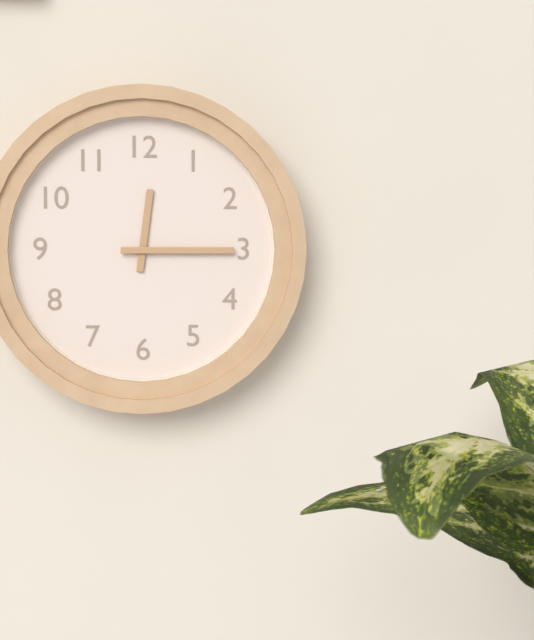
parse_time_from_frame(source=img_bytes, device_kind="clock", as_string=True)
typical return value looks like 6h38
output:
12h15
